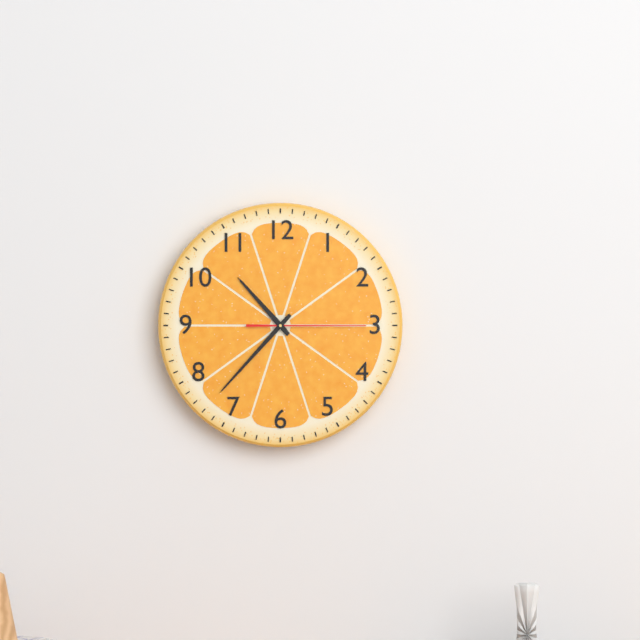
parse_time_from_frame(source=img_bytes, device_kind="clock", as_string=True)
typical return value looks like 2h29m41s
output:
10h37m15s
